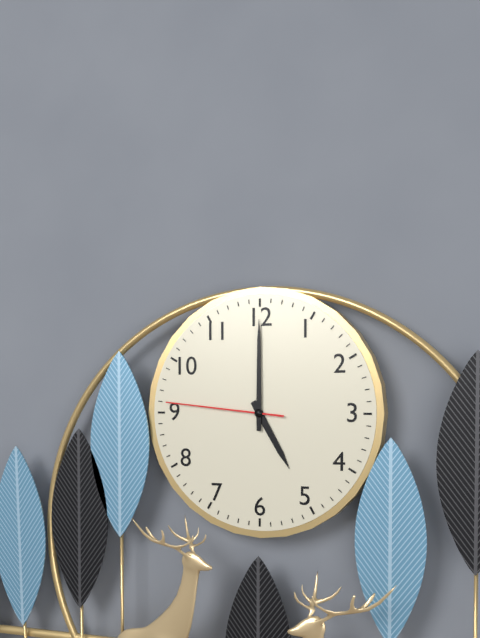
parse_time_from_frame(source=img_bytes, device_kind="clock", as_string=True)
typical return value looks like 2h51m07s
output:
5h00m46s
